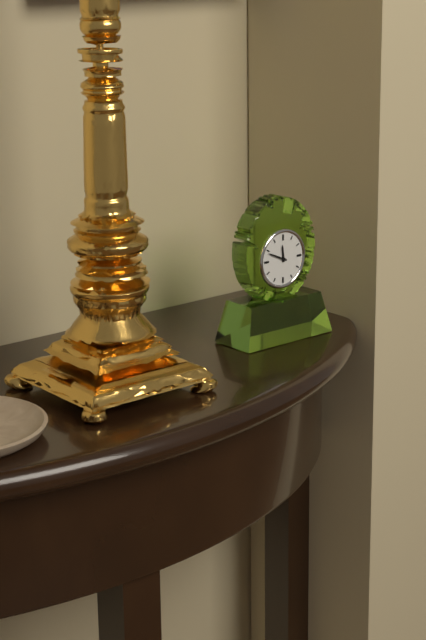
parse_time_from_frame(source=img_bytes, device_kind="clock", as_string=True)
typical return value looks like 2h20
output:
11h49
